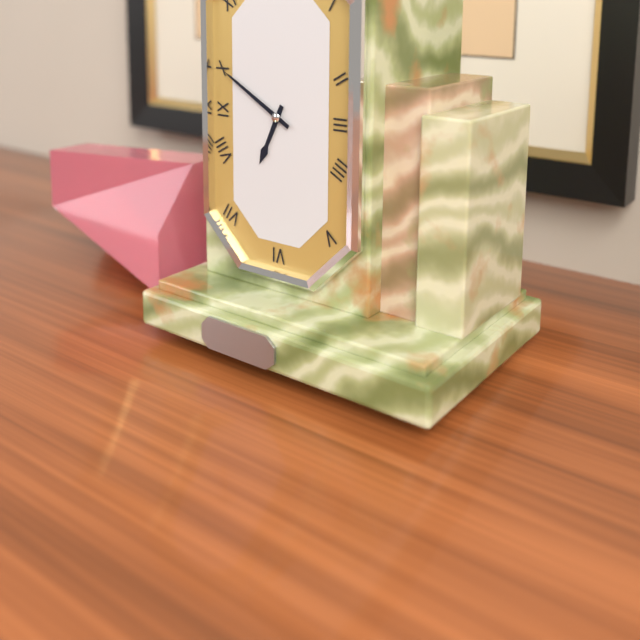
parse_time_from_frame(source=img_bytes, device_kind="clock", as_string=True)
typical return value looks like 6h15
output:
6h50
